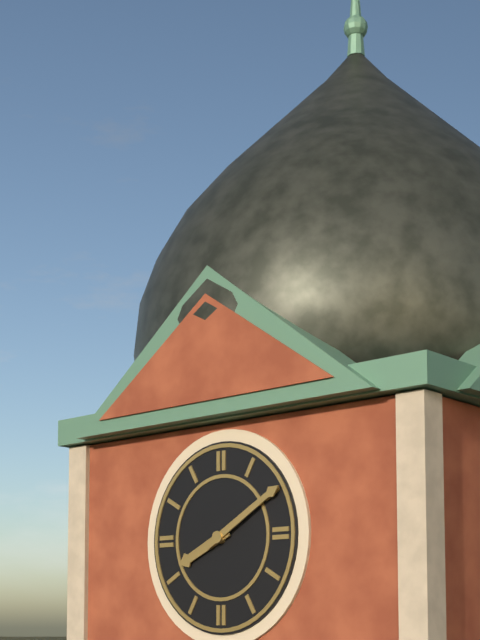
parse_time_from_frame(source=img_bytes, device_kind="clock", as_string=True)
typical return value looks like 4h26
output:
8h10
